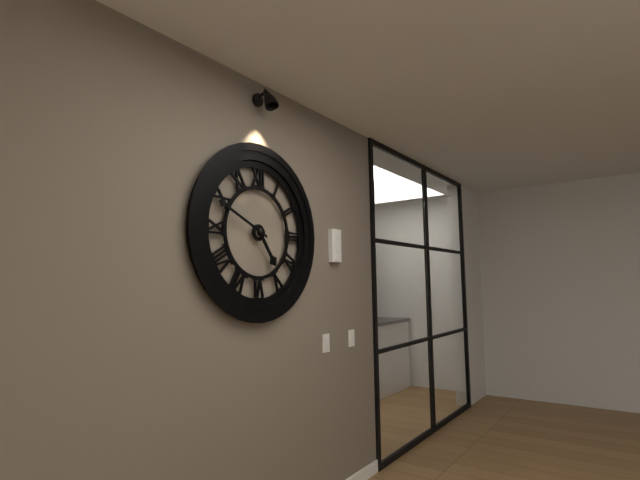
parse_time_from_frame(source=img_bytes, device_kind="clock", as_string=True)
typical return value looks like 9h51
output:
4h49
